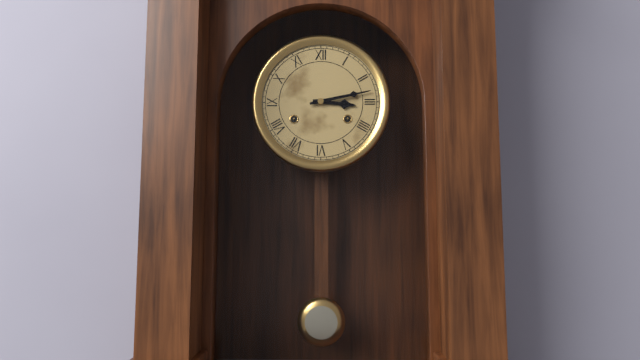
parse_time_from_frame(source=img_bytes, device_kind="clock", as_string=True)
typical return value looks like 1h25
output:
3h13
